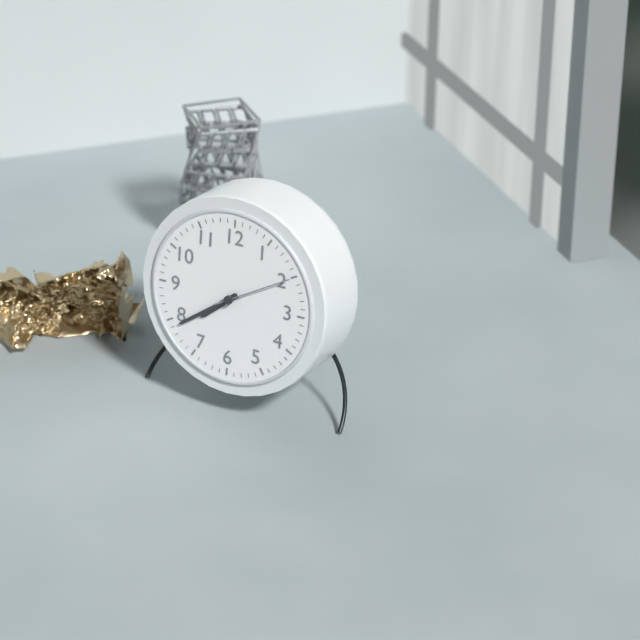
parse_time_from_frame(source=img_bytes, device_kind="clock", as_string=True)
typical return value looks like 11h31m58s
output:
7h39m10s
